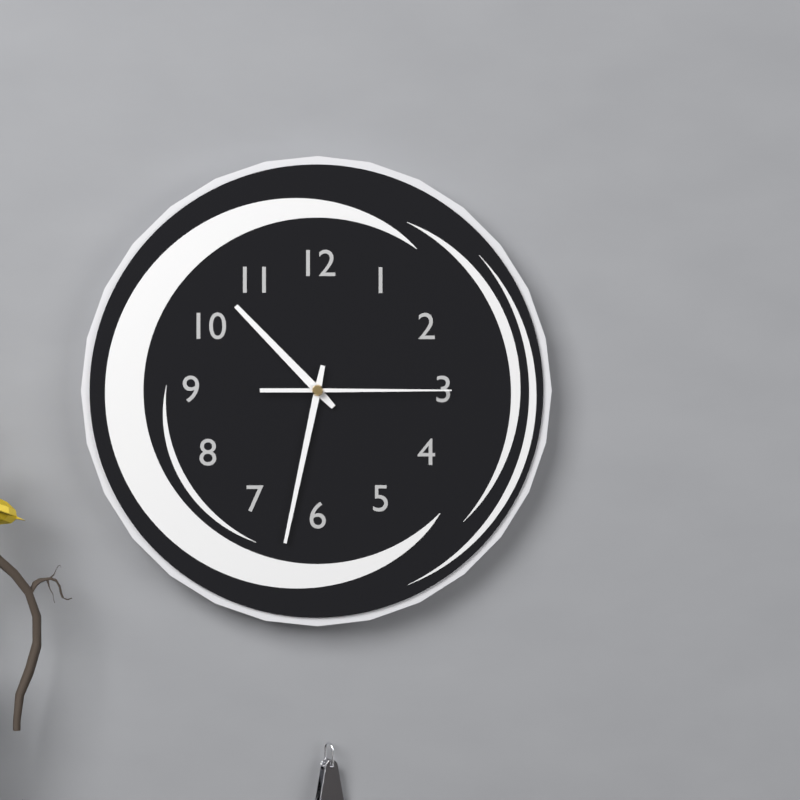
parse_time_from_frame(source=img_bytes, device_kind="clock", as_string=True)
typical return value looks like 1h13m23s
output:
10h32m15s
